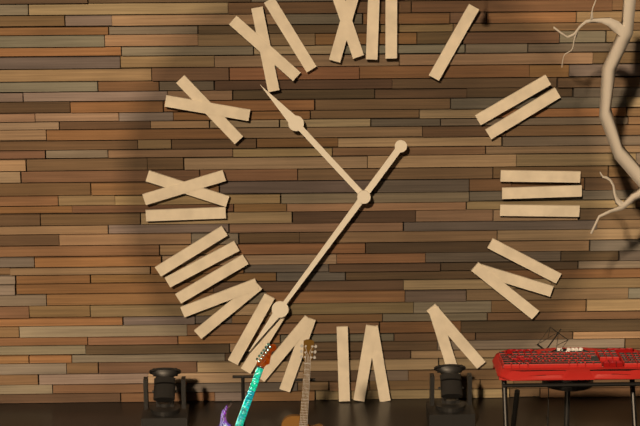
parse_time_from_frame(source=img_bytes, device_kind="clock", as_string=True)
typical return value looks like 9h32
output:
10h36
